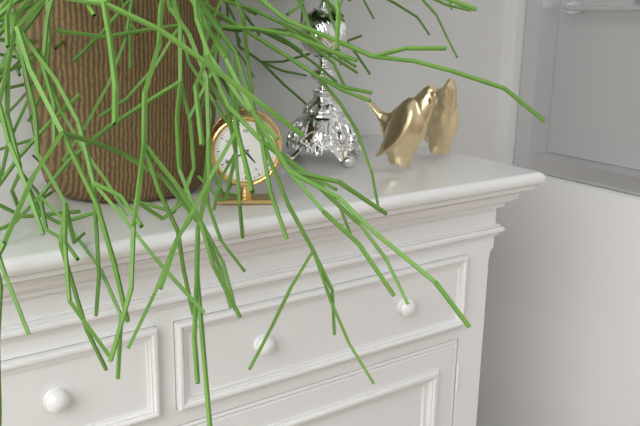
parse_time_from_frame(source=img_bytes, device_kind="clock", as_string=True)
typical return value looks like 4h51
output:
4h40
